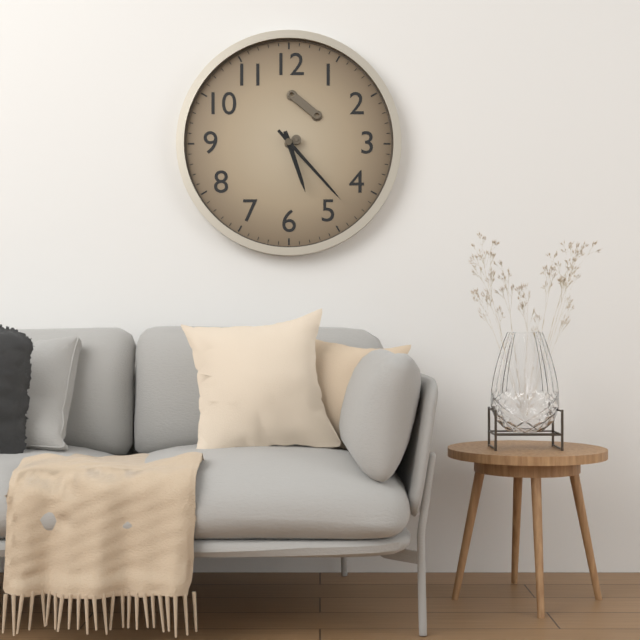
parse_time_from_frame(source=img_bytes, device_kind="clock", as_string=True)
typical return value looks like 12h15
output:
5h23
